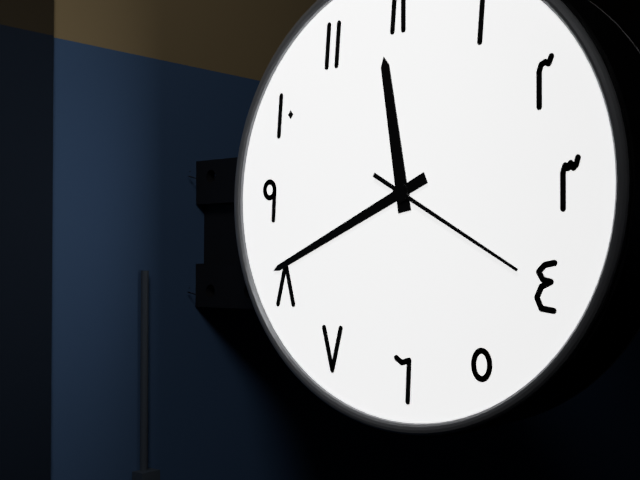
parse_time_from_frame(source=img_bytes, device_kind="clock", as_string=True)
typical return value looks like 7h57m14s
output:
11h41m20s
